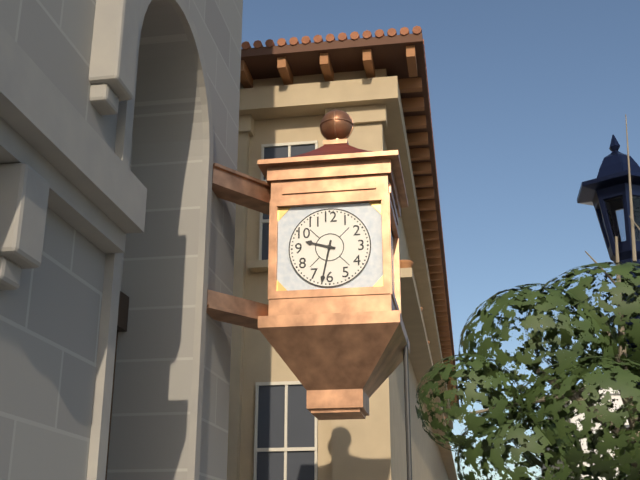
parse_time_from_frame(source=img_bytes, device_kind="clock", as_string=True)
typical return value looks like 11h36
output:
9h32
